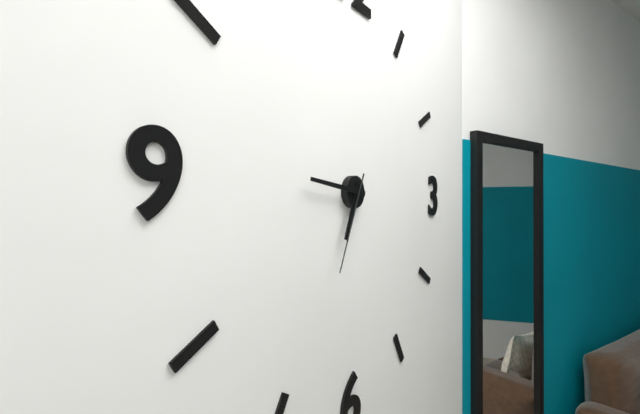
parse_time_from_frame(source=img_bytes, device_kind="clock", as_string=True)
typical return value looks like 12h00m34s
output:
6h46m34s
